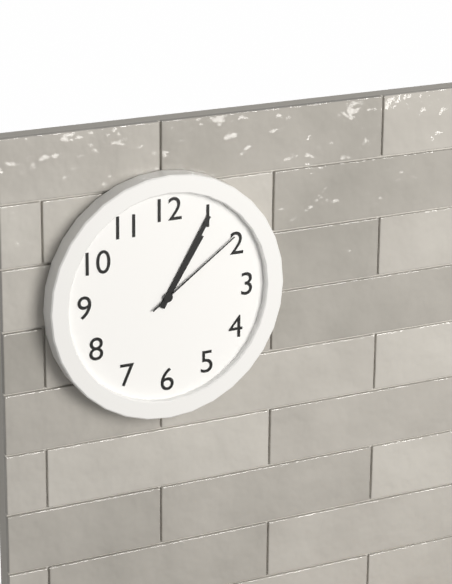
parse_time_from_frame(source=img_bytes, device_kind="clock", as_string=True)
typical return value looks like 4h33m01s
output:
1h05m09s
